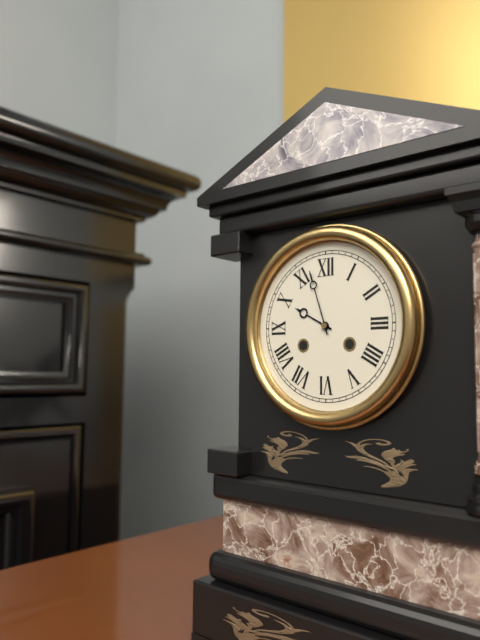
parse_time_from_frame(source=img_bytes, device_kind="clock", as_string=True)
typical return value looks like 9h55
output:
9h57
